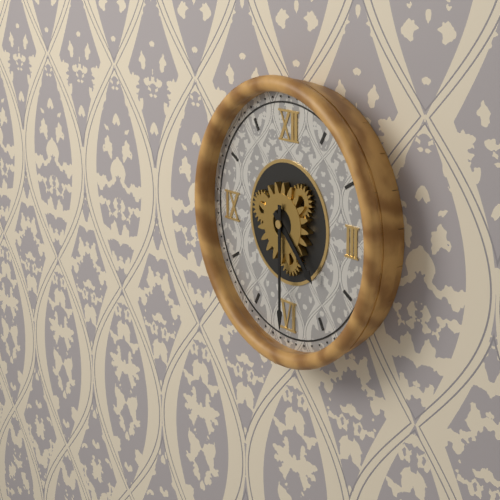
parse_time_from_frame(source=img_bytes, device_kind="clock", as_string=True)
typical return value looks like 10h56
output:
4h30
